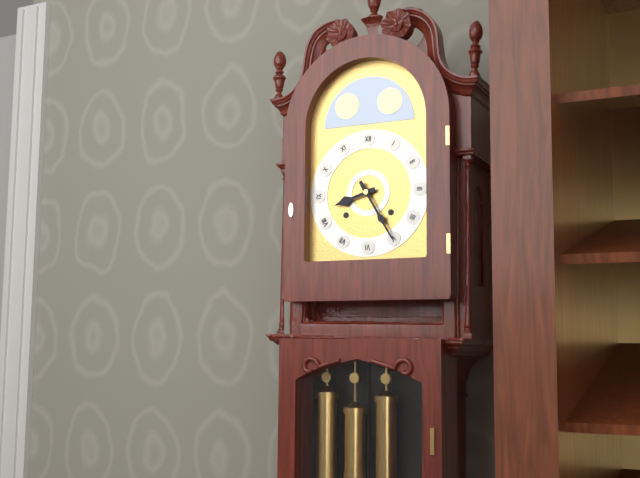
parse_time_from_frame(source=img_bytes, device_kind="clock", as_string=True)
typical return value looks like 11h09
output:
8h25
